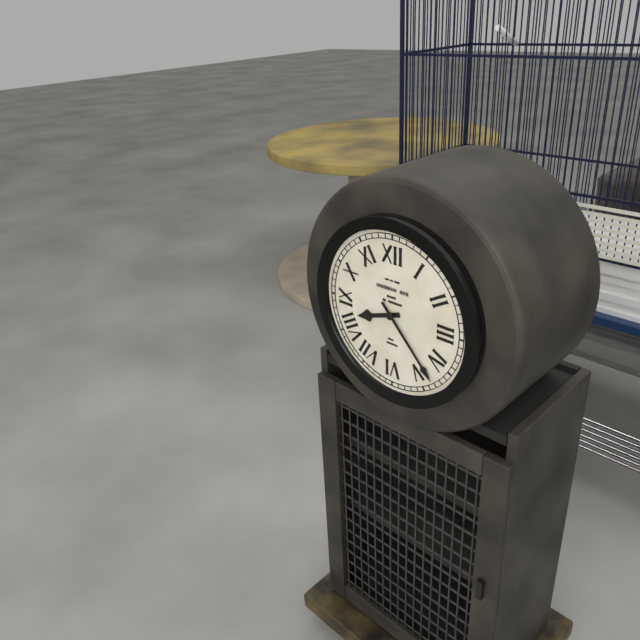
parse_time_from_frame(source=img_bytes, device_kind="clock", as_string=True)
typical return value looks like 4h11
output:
8h23
